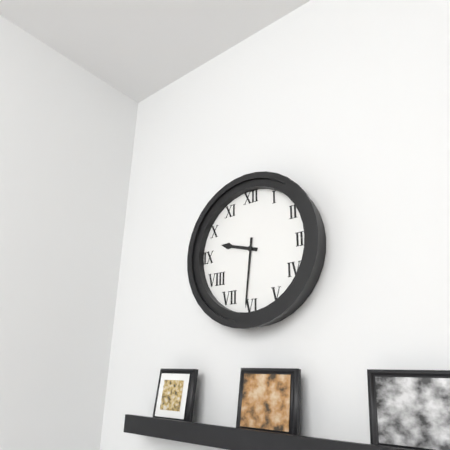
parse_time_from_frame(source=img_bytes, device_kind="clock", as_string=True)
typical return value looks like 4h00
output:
9h31
